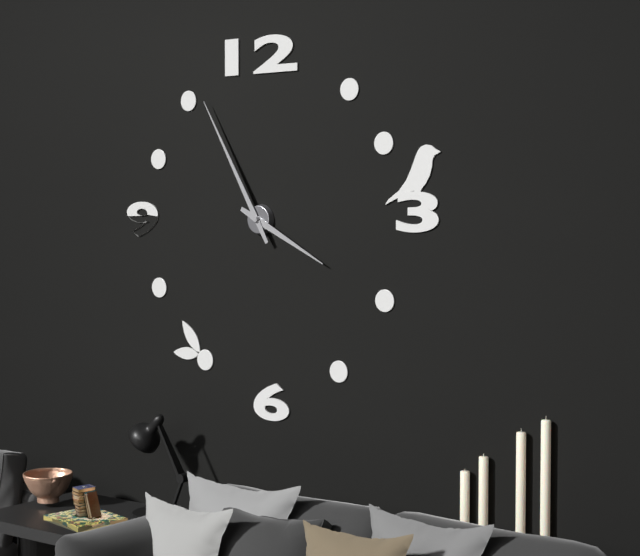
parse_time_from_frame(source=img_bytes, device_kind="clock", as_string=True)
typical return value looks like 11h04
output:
3h55
